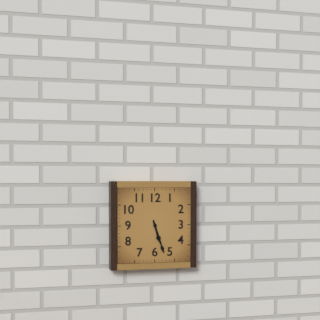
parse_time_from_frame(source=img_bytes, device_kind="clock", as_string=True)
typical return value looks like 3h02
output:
5h27
